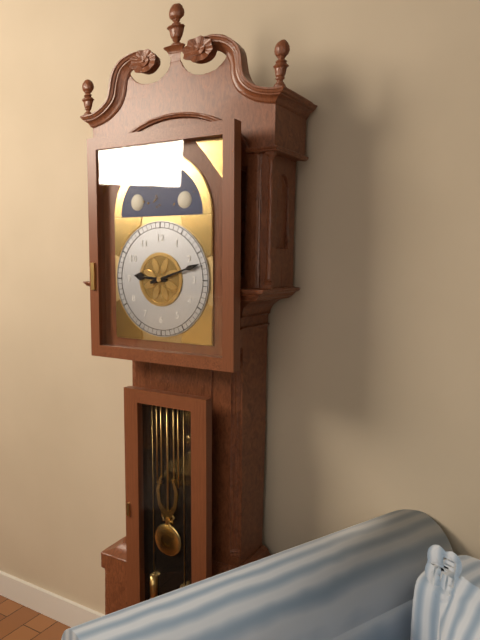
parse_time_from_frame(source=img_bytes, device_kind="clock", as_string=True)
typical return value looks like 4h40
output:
9h12
